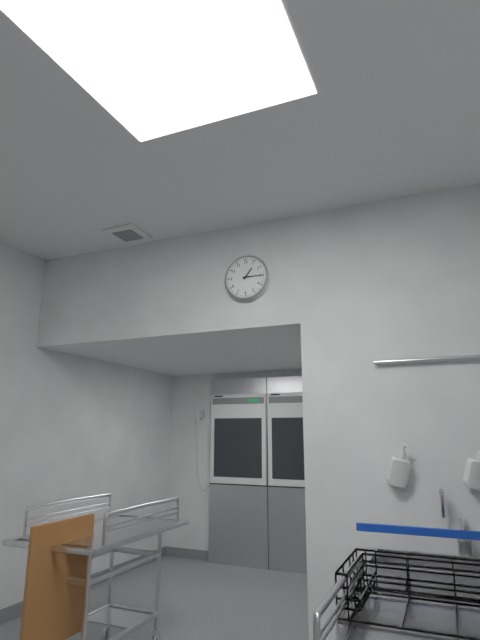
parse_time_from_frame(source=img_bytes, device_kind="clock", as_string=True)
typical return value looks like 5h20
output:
1h15
